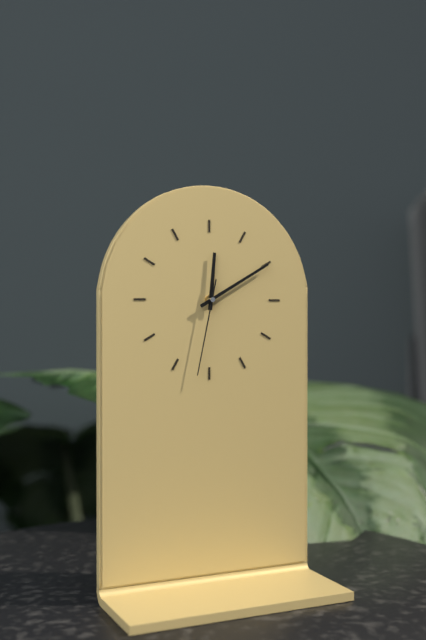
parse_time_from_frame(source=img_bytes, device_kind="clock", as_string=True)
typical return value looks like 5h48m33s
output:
12h10m32s
